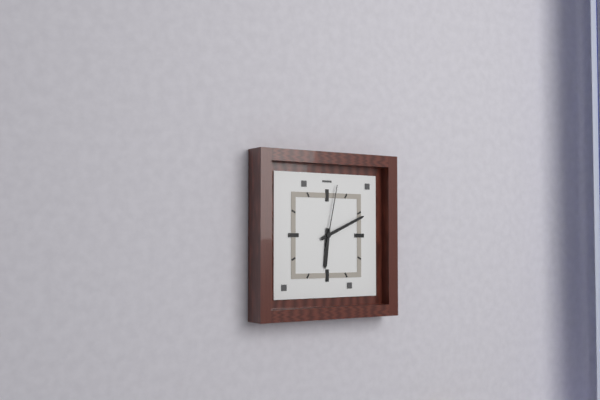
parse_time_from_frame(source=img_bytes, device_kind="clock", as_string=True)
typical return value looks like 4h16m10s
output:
6h11m02s
